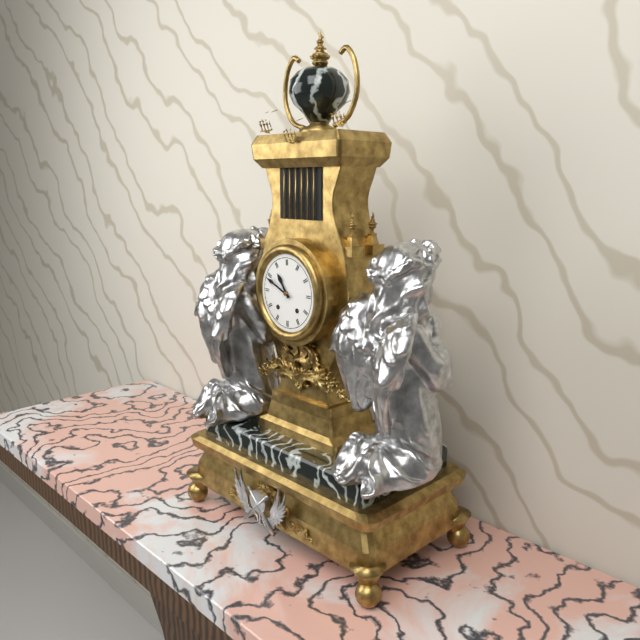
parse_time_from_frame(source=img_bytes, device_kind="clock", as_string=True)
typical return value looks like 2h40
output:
10h49
